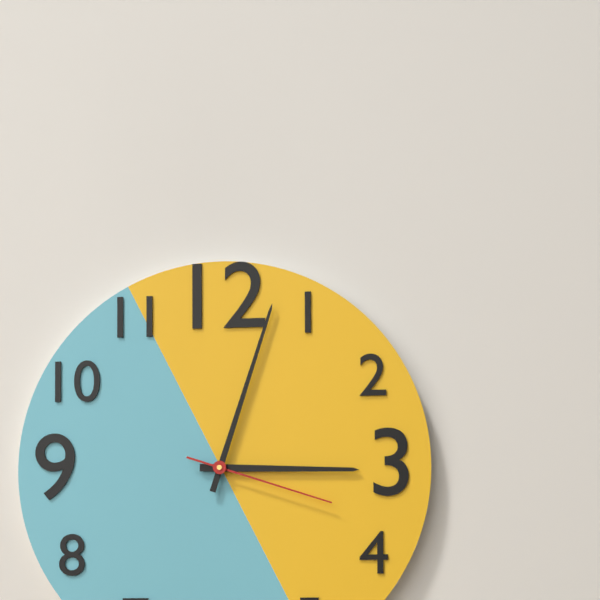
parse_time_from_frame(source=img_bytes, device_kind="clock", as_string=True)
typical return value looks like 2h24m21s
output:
3h03m18s
